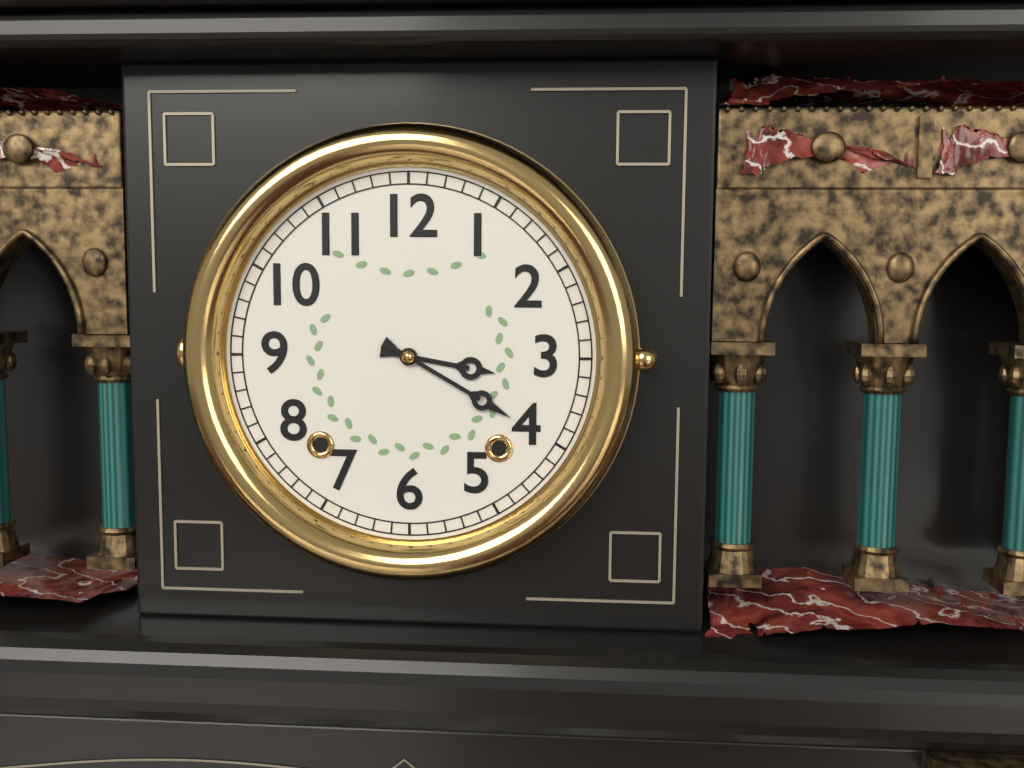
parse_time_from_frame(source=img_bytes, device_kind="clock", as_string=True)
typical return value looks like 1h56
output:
3h20
